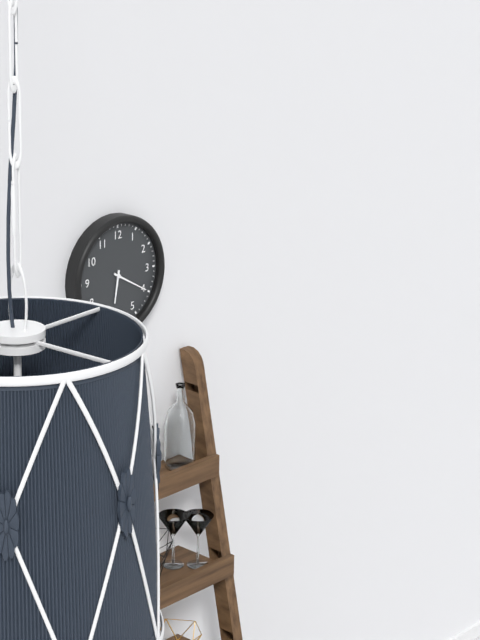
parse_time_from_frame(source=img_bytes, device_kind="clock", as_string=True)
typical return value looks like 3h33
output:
6h20
